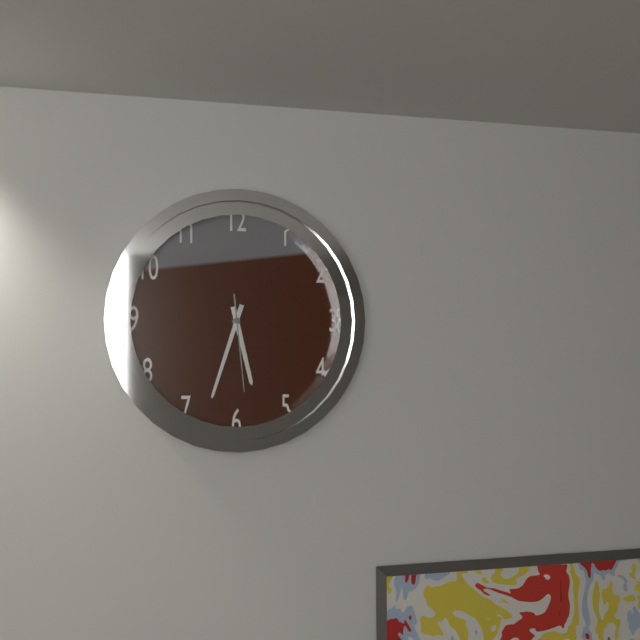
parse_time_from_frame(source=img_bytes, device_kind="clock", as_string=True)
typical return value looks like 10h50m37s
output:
5h33m29s
